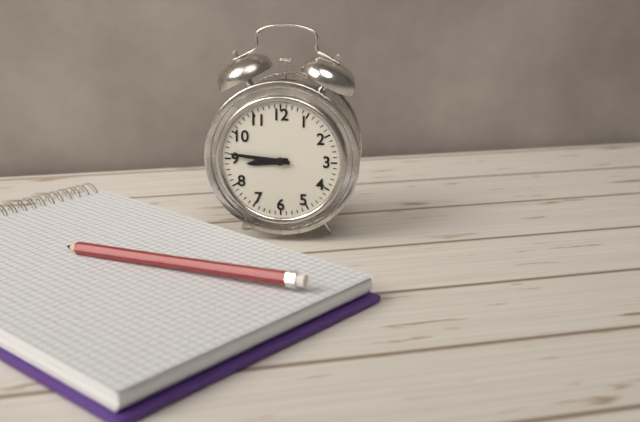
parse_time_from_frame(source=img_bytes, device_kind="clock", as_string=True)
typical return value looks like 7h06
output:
8h46
